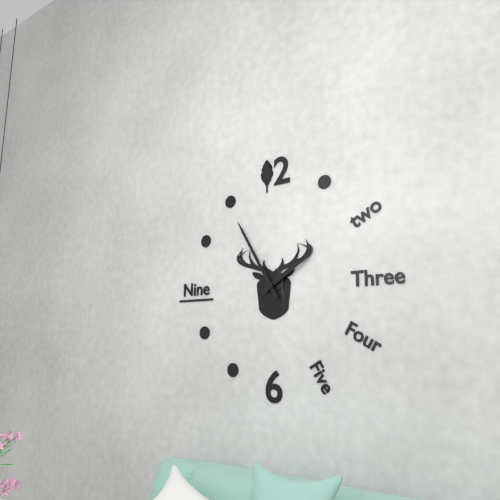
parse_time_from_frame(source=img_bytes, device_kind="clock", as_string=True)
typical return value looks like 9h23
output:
1h55
